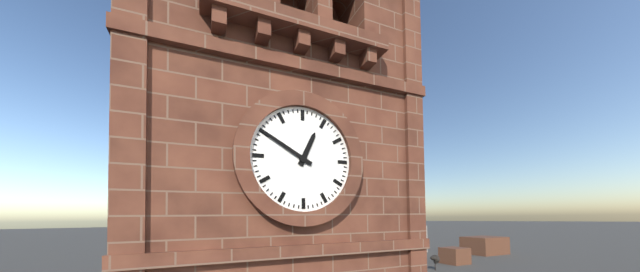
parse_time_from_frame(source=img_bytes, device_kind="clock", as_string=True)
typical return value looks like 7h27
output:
12h50
